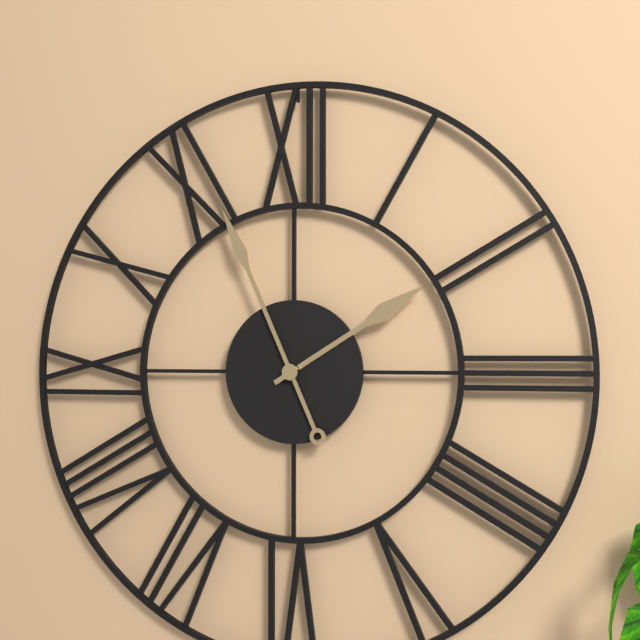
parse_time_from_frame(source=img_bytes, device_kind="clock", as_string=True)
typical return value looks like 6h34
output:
1h56
